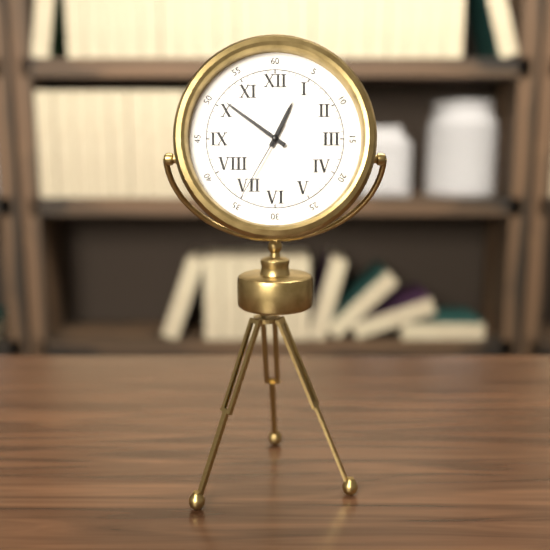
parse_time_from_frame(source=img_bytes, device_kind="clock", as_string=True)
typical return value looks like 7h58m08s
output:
12h51m35s
